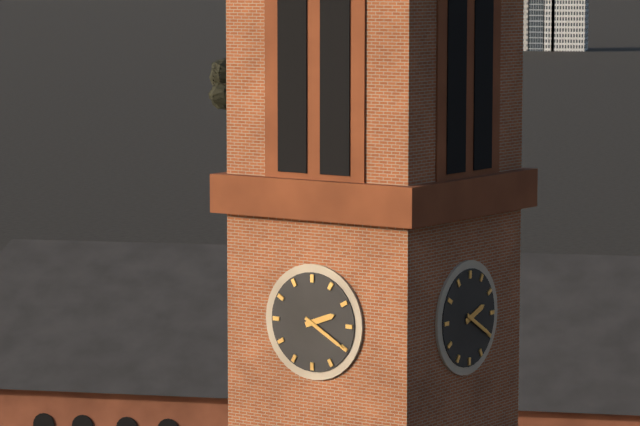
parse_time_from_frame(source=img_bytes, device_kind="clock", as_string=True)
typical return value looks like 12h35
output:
2h20
